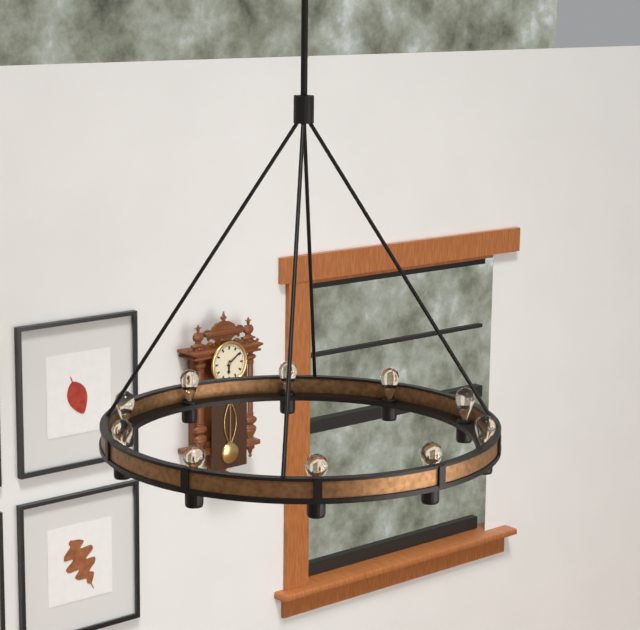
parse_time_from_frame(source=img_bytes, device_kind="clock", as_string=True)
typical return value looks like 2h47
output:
6h09
